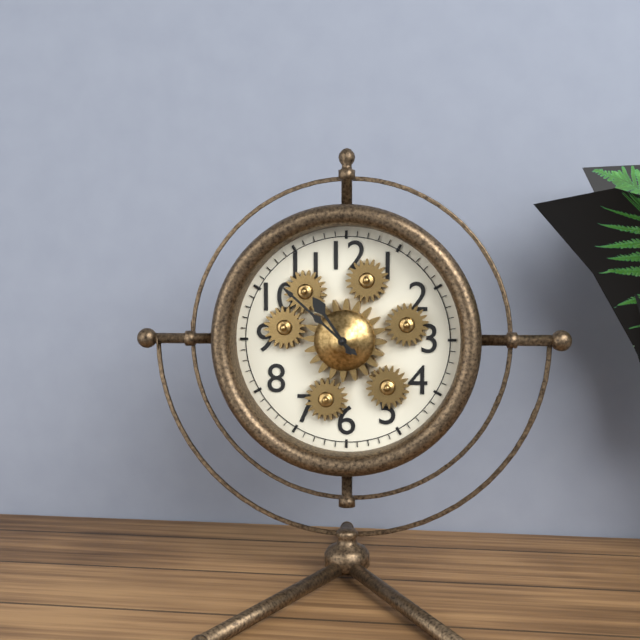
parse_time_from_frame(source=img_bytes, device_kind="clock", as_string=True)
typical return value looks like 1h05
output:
10h52
